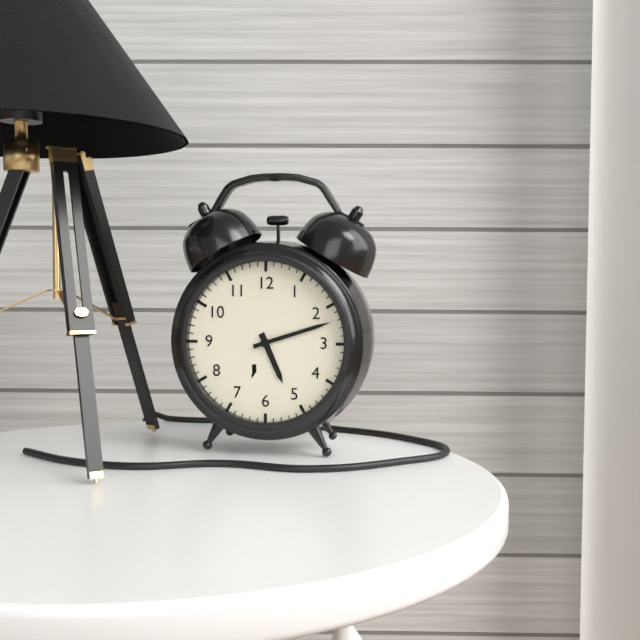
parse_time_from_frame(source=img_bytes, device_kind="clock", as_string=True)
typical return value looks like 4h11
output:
5h12
